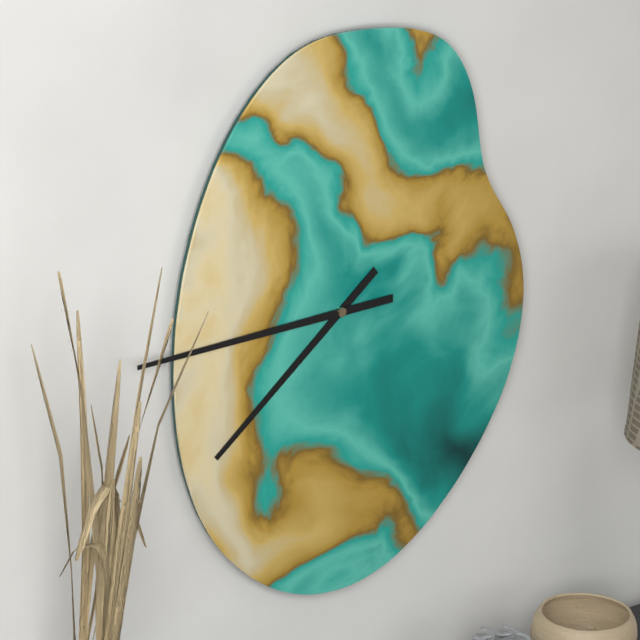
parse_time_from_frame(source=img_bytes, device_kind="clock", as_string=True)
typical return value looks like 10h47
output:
7h45
